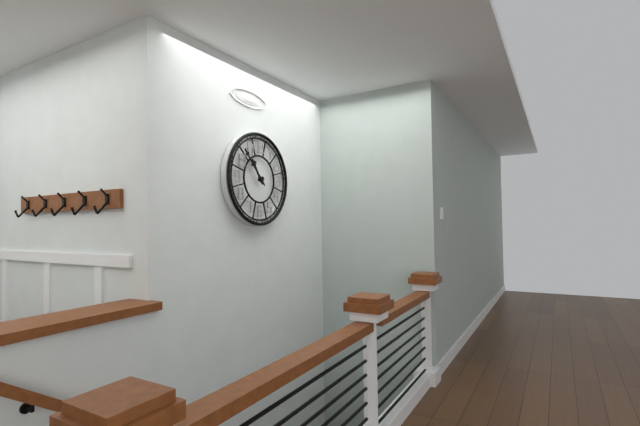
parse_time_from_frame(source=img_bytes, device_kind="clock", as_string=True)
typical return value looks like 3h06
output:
10h53
